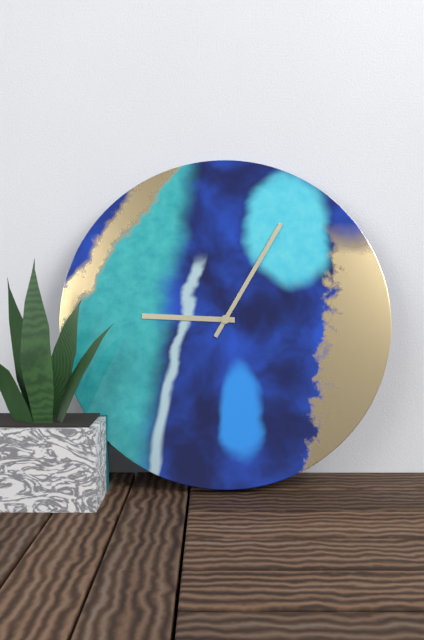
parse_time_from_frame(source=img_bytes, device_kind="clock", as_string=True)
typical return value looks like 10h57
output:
9h05
